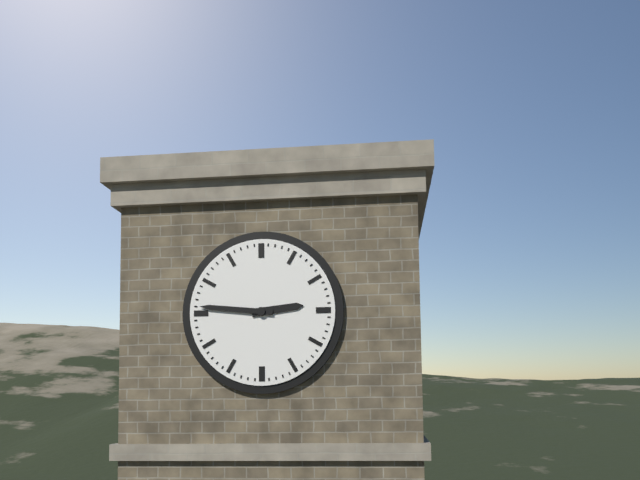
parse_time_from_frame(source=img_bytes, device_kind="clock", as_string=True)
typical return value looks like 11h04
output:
2h46
